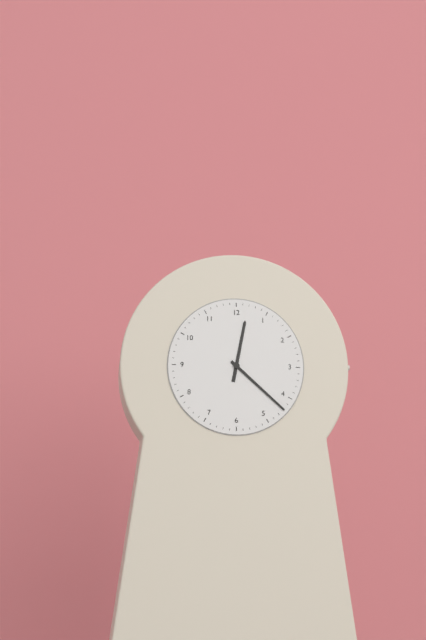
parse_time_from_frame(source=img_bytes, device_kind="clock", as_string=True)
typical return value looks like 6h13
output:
12h22
